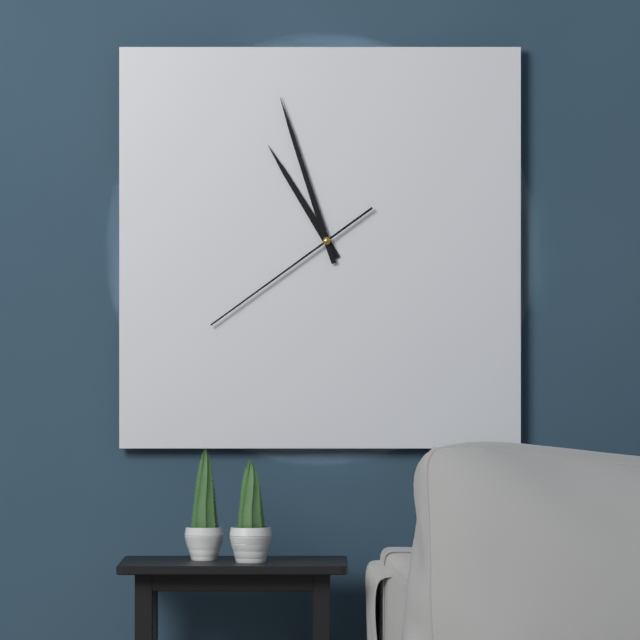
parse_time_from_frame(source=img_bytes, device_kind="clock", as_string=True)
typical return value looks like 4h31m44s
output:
10h57m39s
